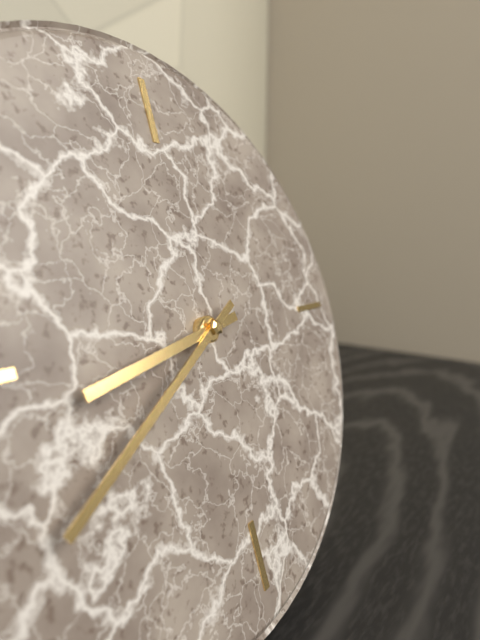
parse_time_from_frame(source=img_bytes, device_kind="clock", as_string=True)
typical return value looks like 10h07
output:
8h40
